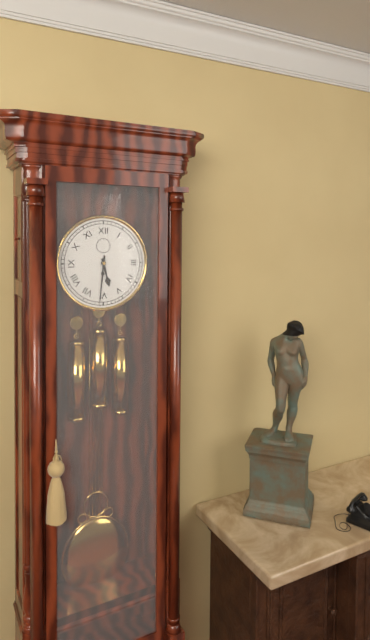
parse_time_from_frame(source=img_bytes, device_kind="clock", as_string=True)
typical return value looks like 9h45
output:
5h31
